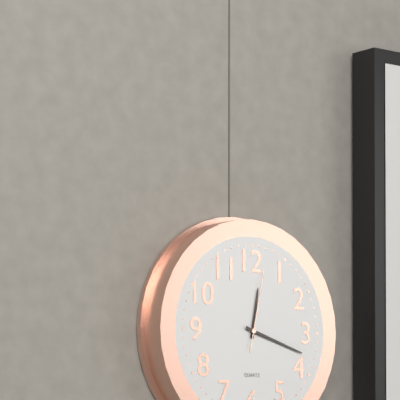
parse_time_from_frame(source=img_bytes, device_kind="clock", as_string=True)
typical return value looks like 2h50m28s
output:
12h18m02s
